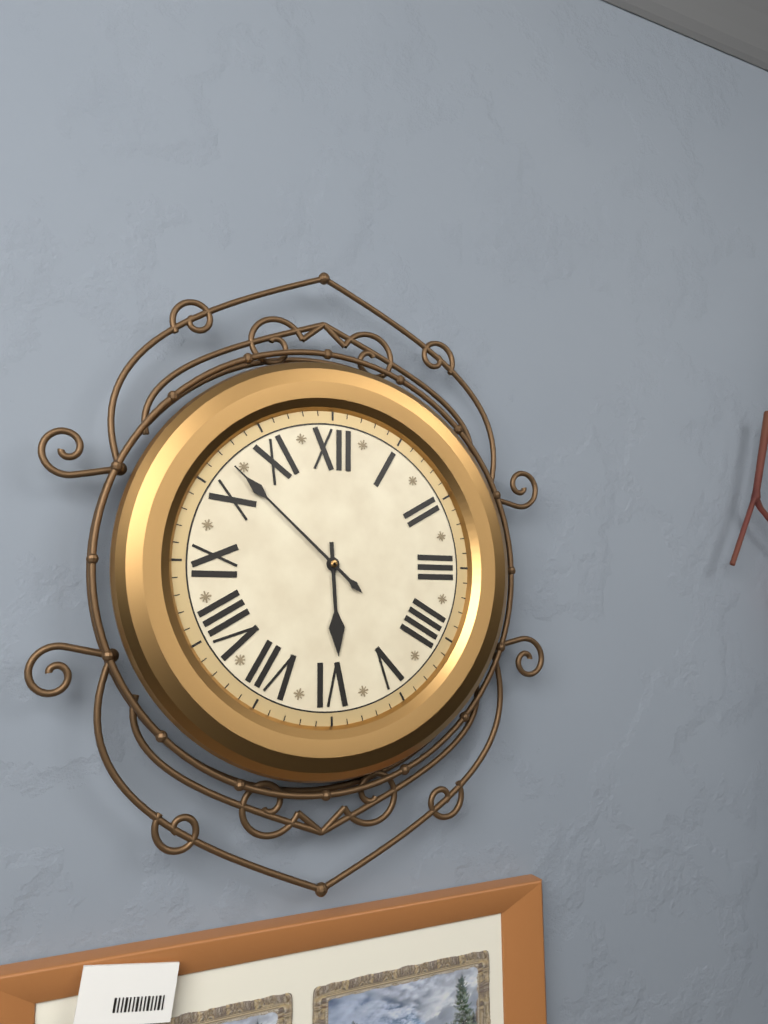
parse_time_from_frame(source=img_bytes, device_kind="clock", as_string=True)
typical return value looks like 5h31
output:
5h52
